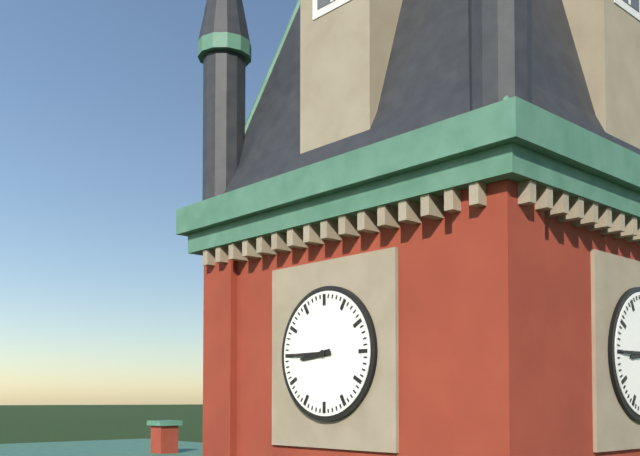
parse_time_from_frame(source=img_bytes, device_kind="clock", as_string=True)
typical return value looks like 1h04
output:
8h45
